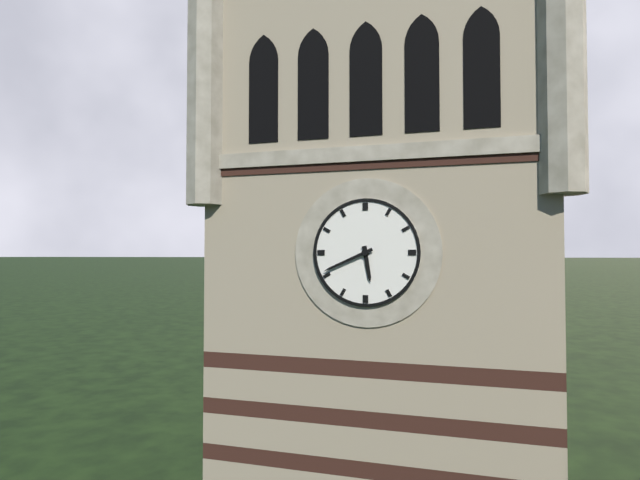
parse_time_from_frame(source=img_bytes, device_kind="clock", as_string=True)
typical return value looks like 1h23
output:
5h41
